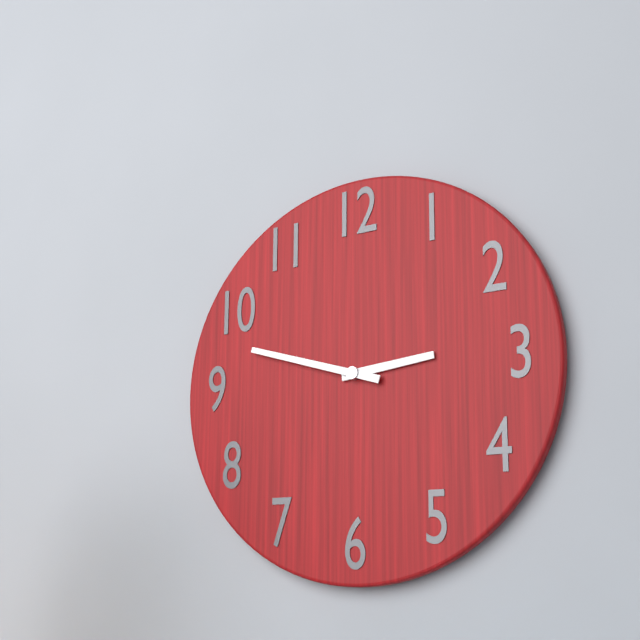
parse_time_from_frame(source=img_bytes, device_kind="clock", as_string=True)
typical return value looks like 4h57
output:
2h48
